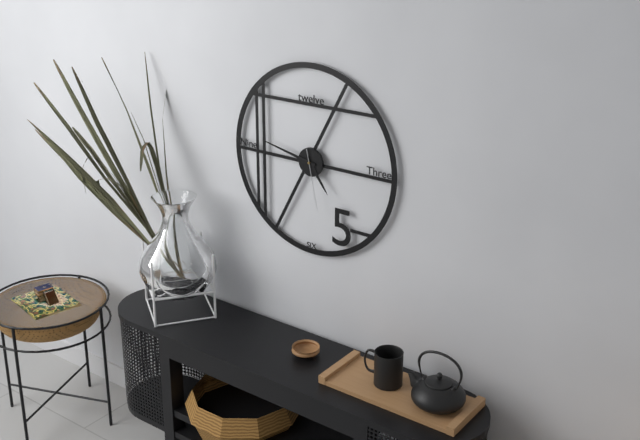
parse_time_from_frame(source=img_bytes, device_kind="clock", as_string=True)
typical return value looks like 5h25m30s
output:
4h47m28s
